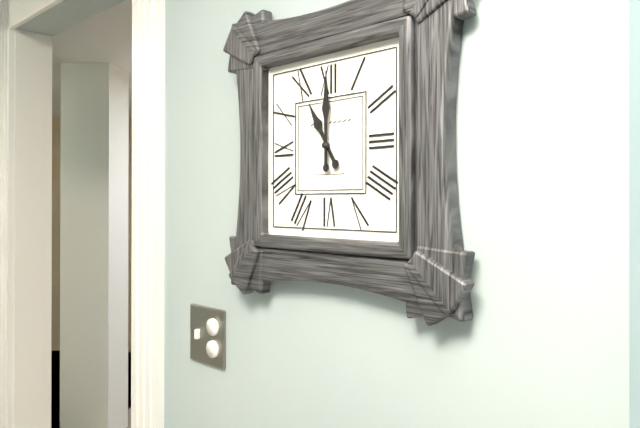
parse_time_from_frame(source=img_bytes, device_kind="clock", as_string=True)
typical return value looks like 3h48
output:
11h00
